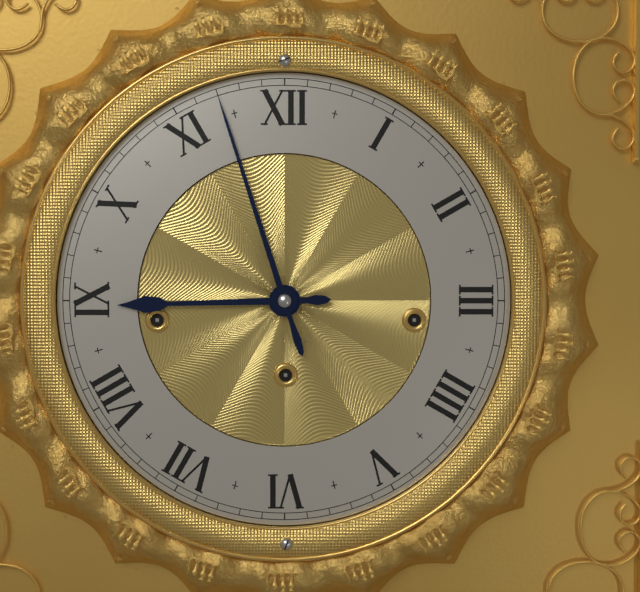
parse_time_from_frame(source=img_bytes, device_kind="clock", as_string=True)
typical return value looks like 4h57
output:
8h57
